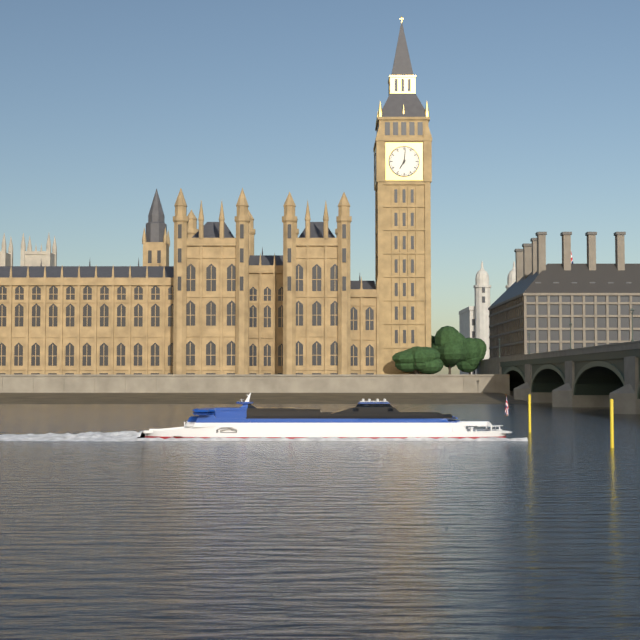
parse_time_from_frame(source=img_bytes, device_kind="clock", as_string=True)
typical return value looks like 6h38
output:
7h01
